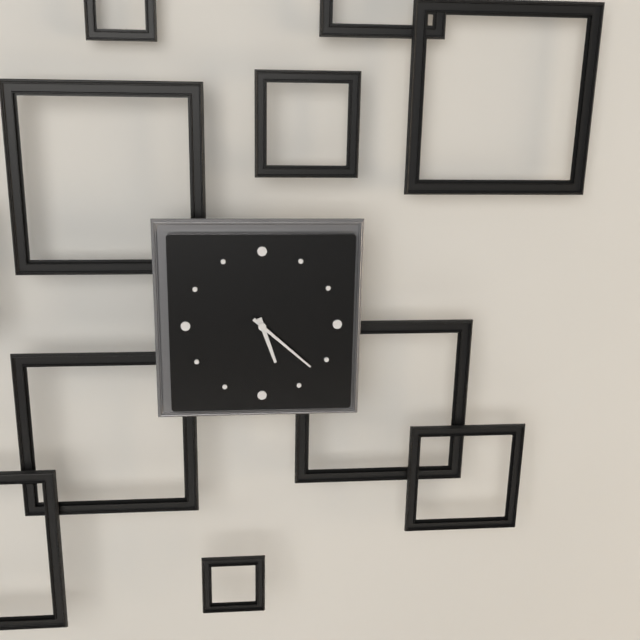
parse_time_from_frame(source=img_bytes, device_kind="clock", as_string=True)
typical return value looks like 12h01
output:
5h22
